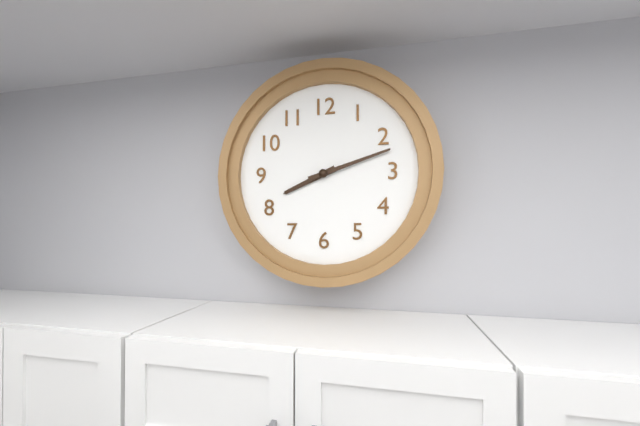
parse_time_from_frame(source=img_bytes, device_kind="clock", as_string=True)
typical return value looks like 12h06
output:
8h12
